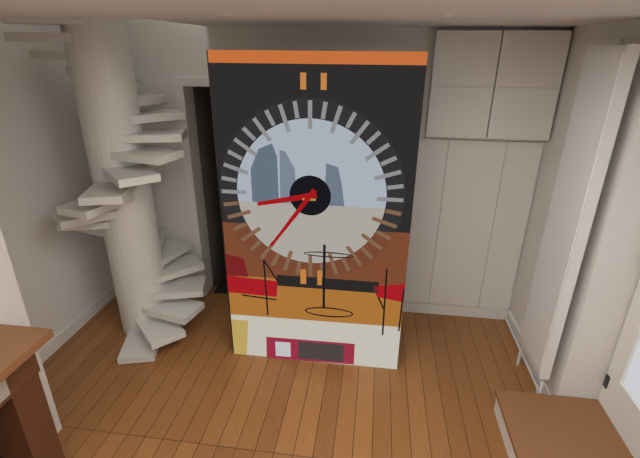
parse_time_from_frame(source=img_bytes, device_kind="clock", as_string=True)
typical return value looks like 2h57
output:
8h36
